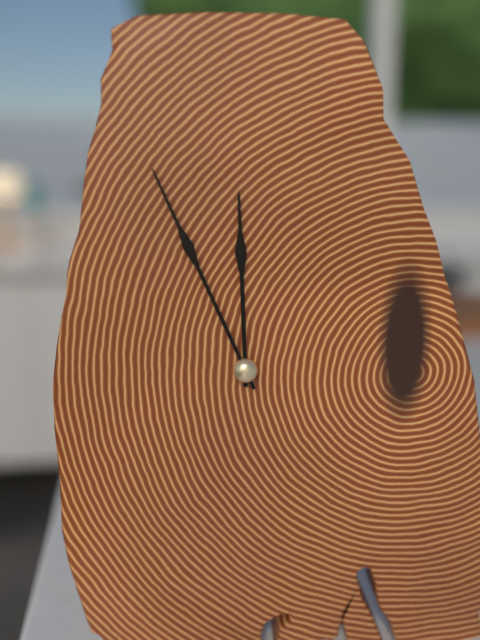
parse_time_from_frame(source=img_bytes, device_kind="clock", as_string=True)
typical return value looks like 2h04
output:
11h56
